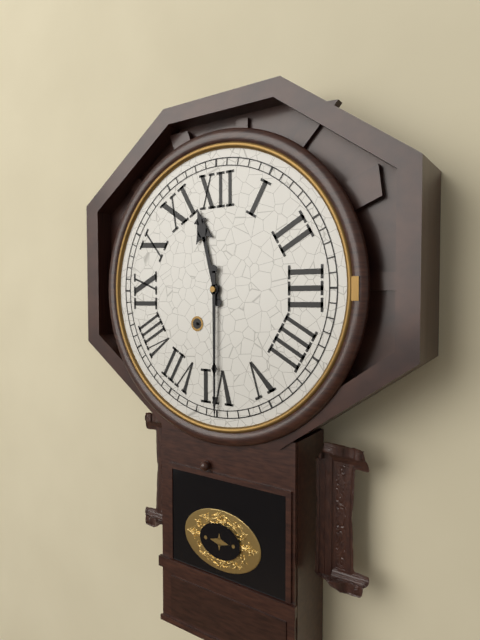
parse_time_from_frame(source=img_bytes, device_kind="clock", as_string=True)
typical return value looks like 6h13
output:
11h30
